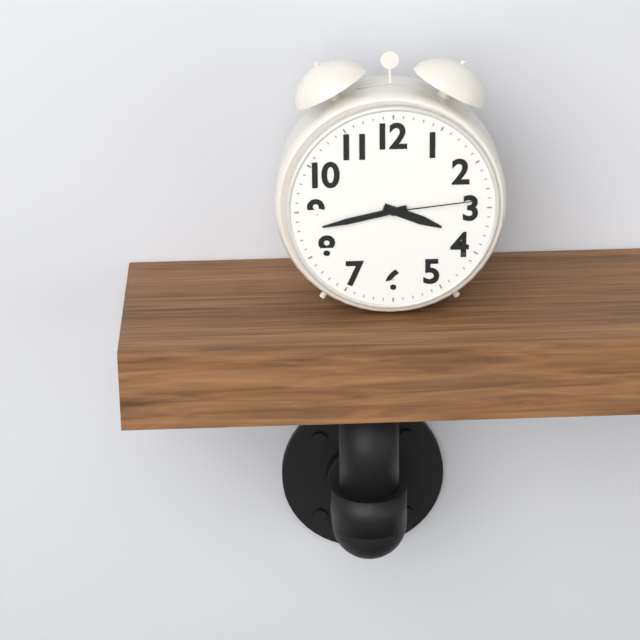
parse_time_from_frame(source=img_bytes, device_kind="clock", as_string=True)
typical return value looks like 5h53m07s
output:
3h43m14s
